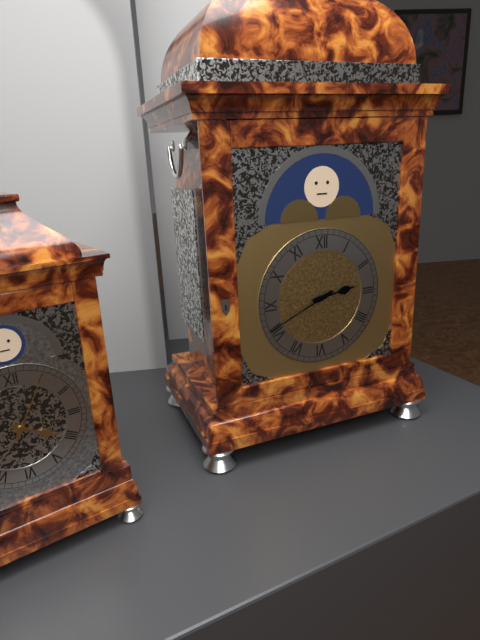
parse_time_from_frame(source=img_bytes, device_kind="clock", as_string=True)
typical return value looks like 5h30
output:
2h41
